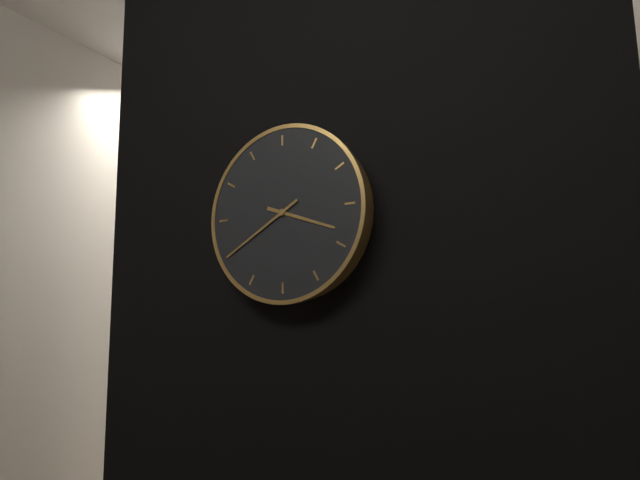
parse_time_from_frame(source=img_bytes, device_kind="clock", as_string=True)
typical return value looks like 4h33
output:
3h40
